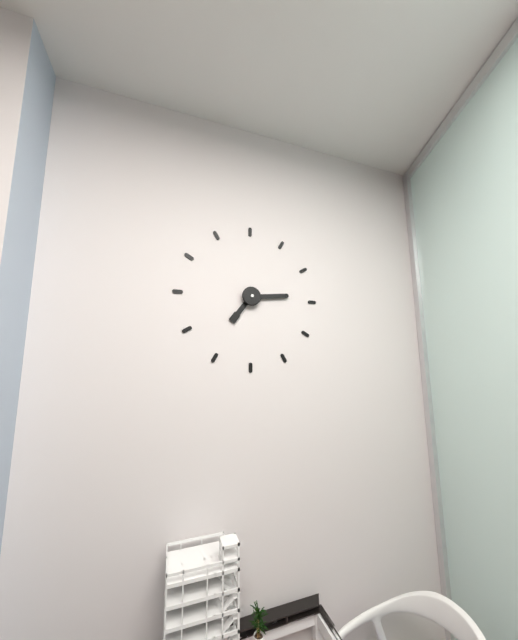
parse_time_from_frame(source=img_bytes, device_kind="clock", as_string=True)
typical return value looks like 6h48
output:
7h14
